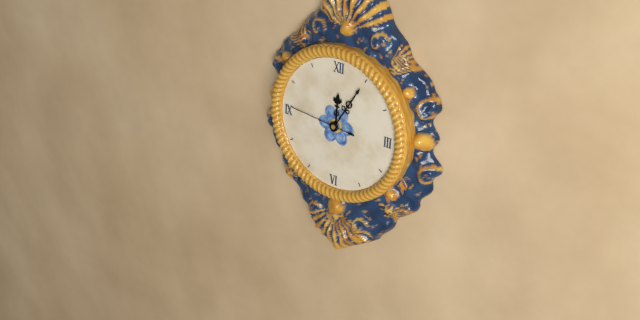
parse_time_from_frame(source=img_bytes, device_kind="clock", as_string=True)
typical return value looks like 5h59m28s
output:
12h05m46s
